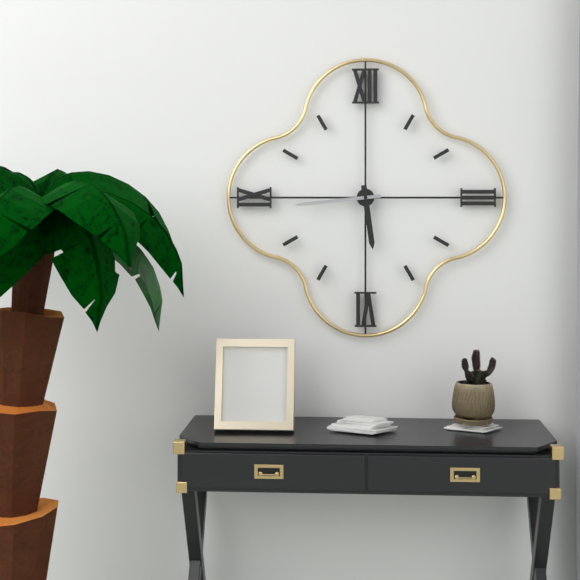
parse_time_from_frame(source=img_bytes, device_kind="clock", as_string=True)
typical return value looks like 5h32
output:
5h44
